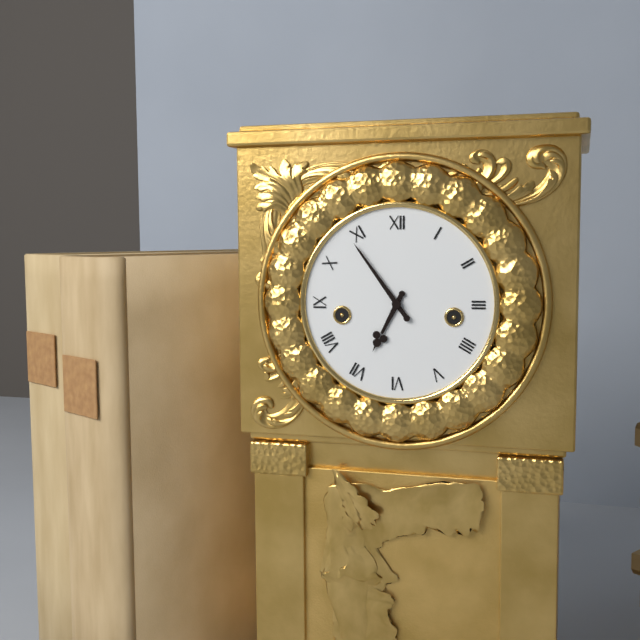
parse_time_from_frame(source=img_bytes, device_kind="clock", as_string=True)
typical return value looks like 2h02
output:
6h54
